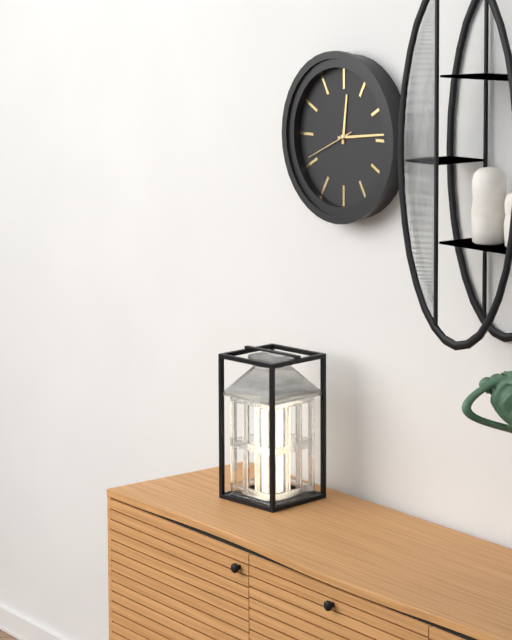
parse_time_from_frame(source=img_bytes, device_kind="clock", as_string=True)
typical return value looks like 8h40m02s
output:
12h14m41s
